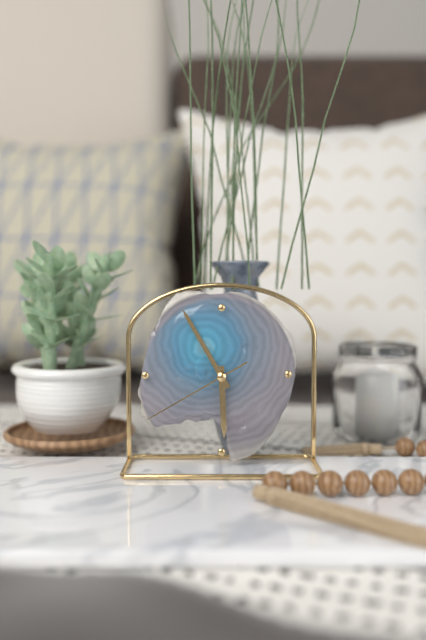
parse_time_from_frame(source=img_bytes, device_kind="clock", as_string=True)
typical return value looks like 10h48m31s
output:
5h55m40s
